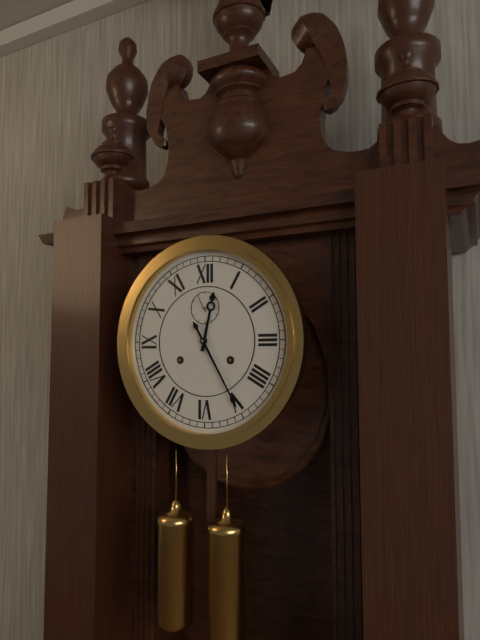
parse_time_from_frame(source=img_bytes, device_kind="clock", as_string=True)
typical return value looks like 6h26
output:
12h25
